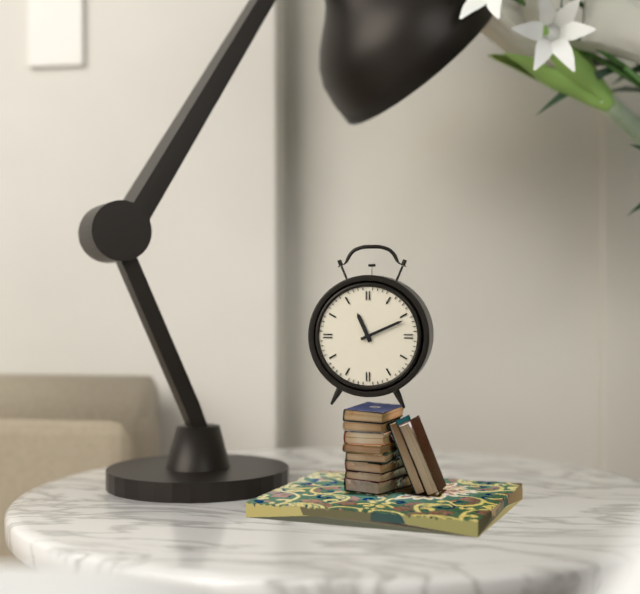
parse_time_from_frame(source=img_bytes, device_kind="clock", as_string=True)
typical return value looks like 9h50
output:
11h11
